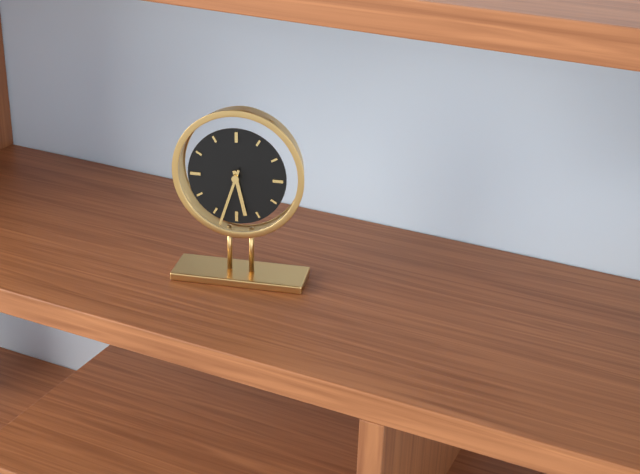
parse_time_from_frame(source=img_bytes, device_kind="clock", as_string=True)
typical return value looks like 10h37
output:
5h33
